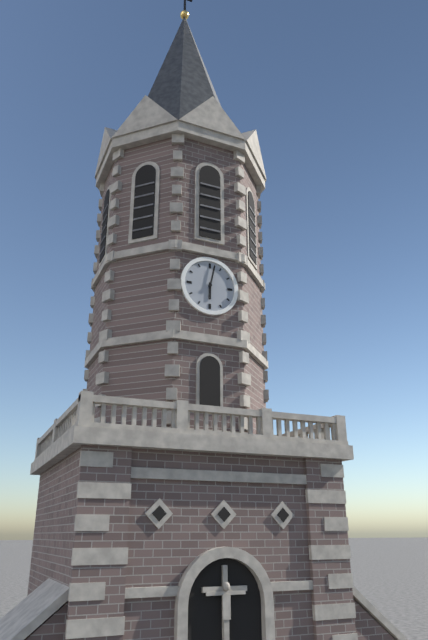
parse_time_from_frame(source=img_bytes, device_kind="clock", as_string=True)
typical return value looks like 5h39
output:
6h02
